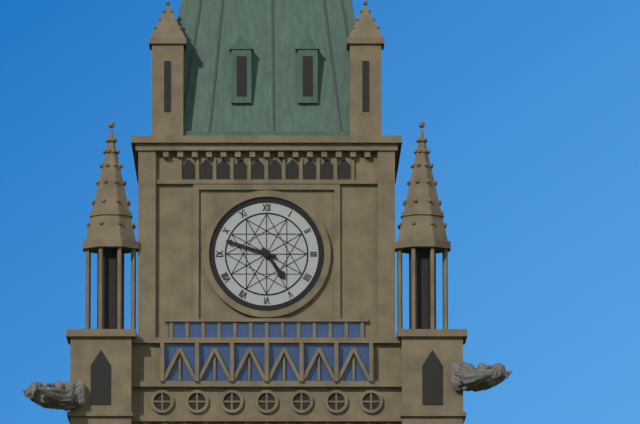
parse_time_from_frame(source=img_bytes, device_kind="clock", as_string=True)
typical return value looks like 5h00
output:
4h48
